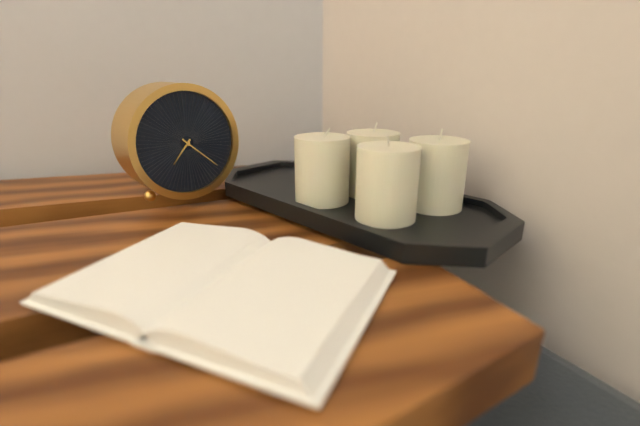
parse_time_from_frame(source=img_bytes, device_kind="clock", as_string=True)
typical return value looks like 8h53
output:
7h22
